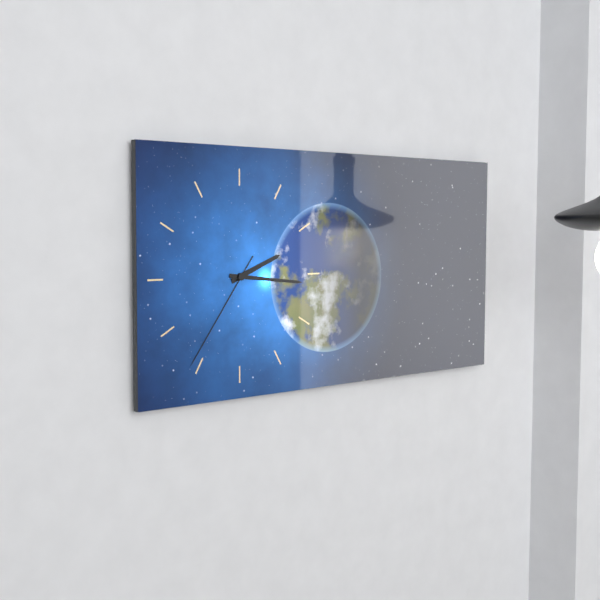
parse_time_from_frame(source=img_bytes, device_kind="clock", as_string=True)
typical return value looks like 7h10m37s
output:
2h16m36s
